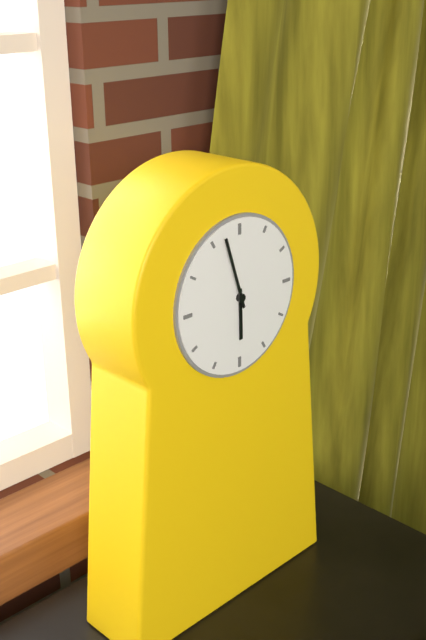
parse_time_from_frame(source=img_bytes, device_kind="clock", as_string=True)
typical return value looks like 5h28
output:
5h57
